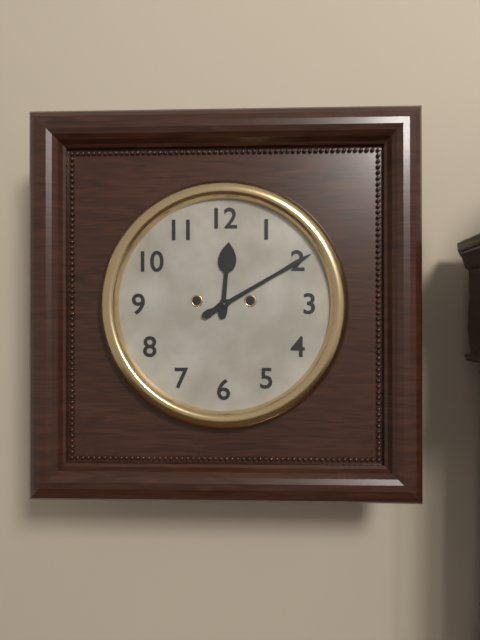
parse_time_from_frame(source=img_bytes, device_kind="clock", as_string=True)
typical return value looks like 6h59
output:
12h10
